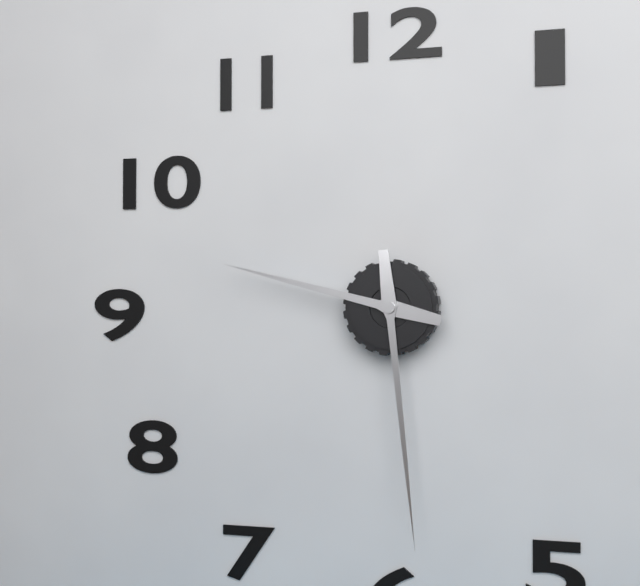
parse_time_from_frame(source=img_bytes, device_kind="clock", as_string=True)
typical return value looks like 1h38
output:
9h29
